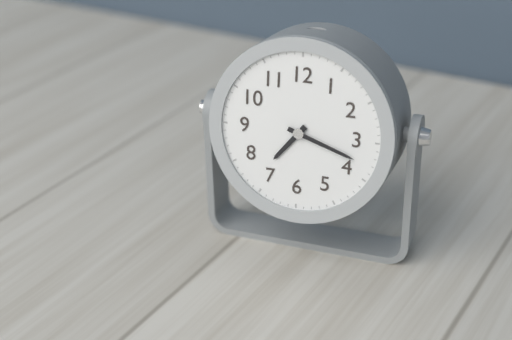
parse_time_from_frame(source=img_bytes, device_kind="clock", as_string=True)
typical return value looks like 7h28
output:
7h18
